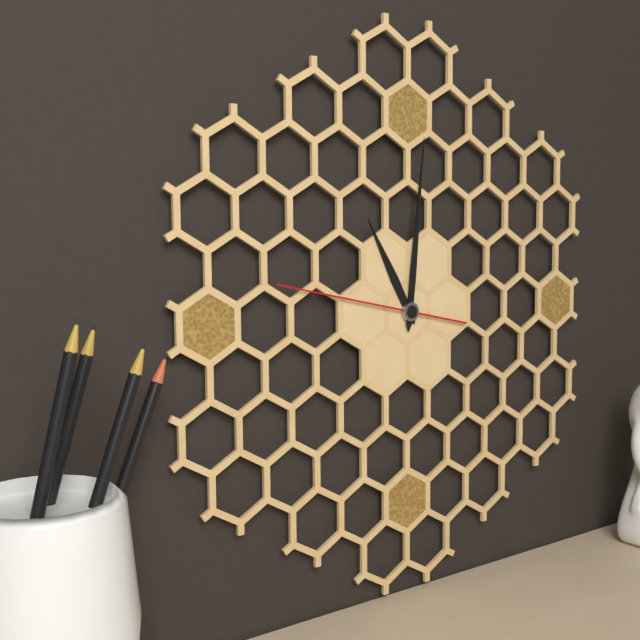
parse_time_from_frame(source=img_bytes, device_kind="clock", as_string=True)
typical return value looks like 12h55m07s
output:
11h01m47s
